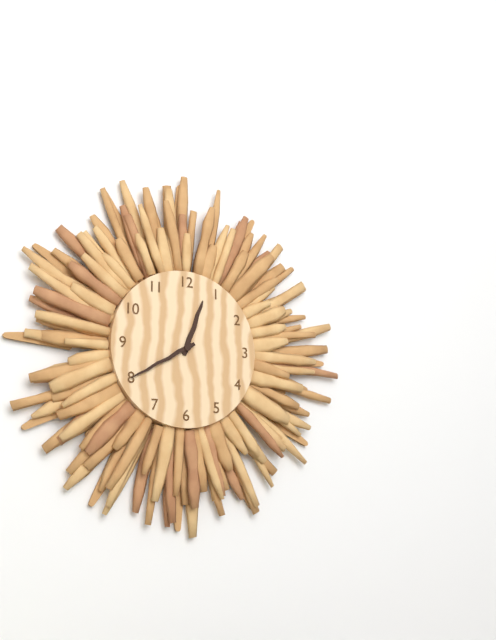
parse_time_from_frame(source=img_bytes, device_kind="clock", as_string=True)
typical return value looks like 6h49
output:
12h40
